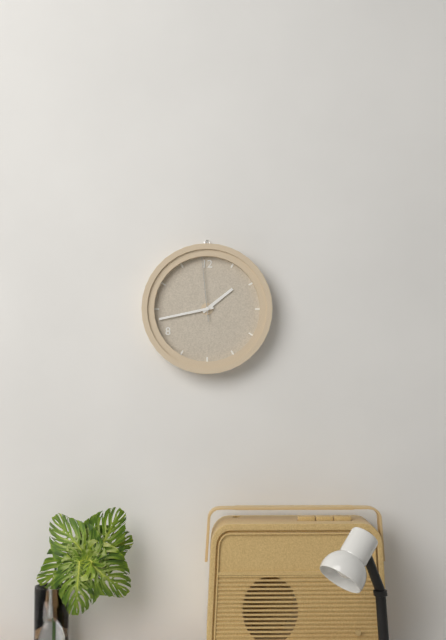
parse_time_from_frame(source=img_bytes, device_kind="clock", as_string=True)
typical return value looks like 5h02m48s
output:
1h43m59s
